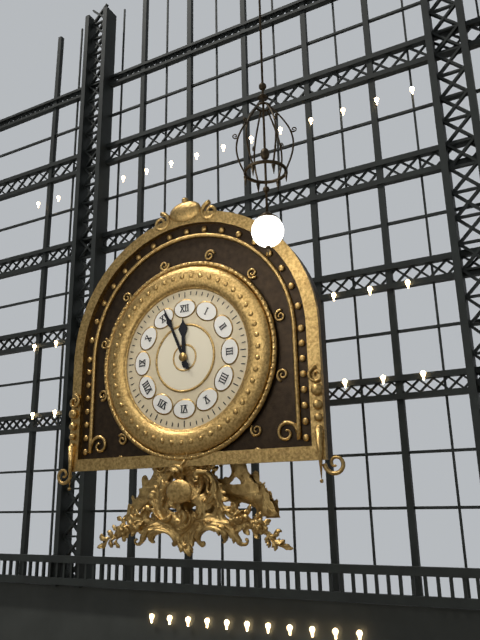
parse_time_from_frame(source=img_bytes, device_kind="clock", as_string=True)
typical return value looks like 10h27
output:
11h56
